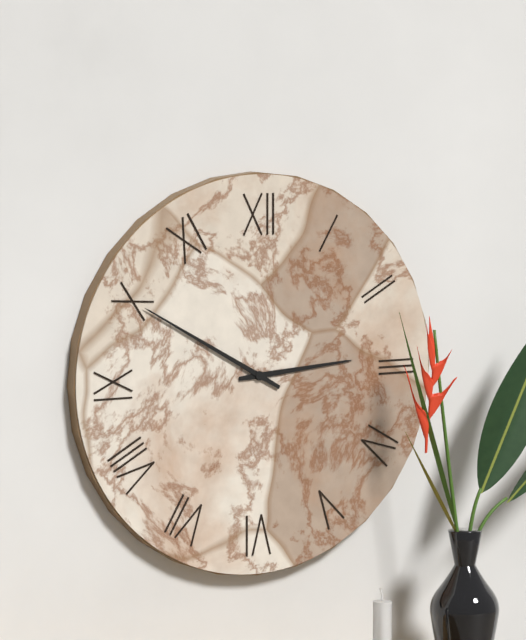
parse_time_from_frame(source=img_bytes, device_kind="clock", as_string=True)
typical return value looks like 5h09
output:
2h50
